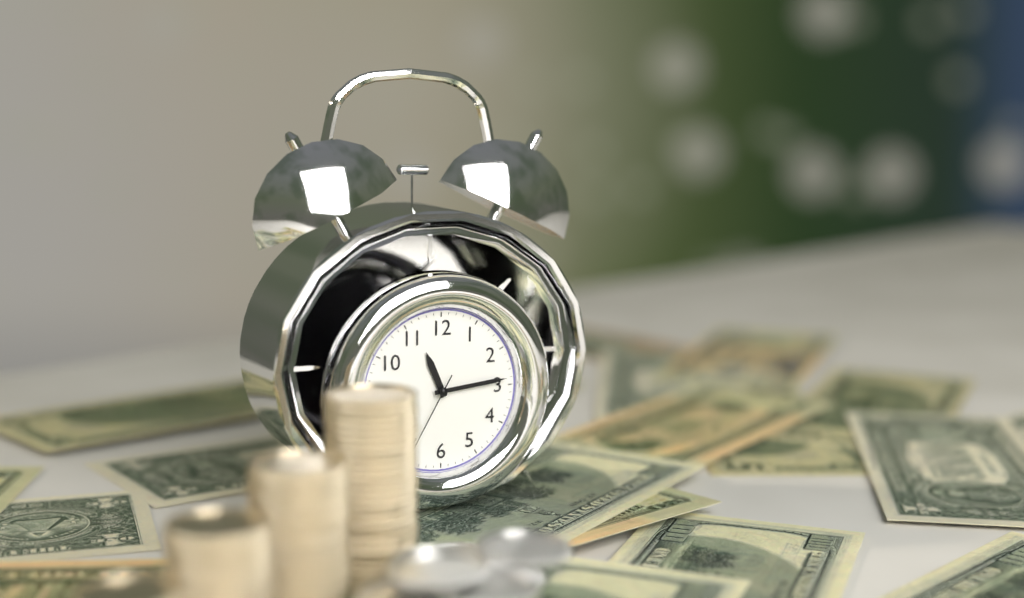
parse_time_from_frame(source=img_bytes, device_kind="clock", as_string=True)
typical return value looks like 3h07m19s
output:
11h14m35s
